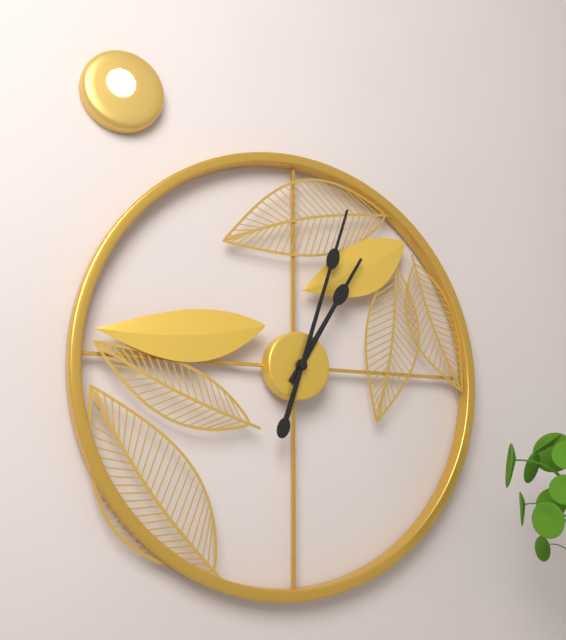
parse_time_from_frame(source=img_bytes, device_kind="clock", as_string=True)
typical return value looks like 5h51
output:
1h03
